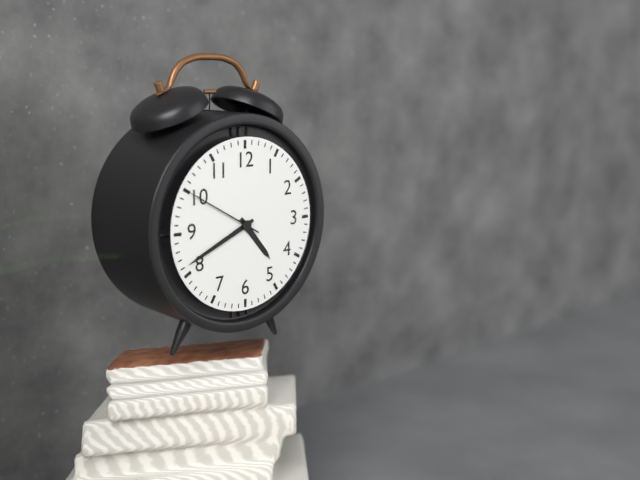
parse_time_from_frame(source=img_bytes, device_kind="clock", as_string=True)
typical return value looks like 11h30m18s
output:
4h41m50s
